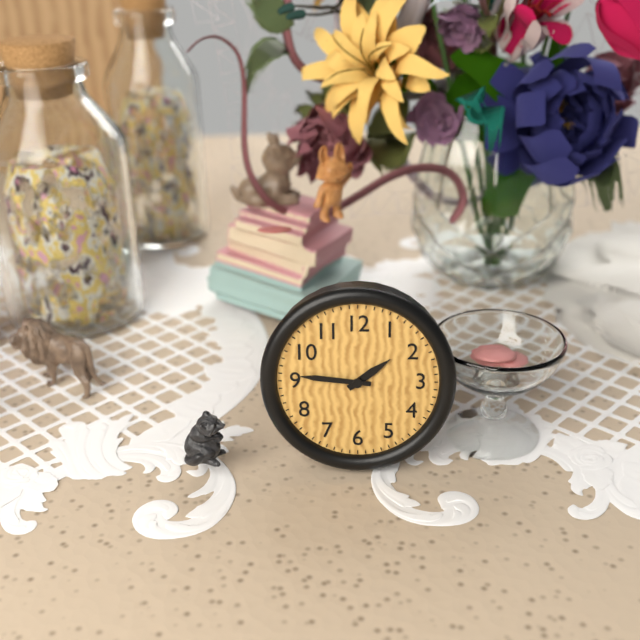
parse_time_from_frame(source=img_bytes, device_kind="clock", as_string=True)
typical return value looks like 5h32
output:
1h46
